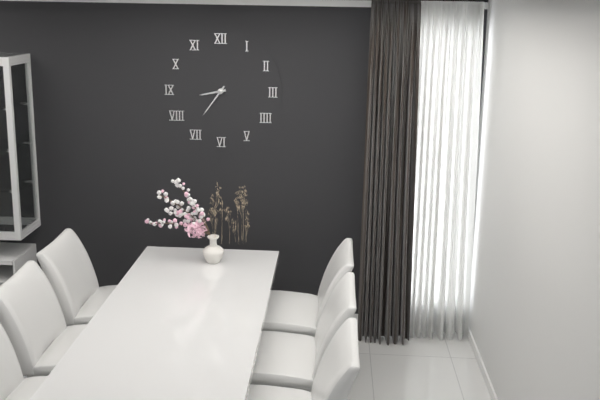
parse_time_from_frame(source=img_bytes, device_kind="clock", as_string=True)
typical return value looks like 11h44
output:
8h36
